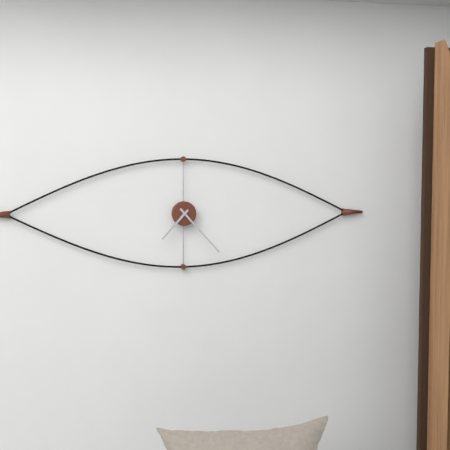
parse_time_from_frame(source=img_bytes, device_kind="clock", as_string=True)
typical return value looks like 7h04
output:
7h23
